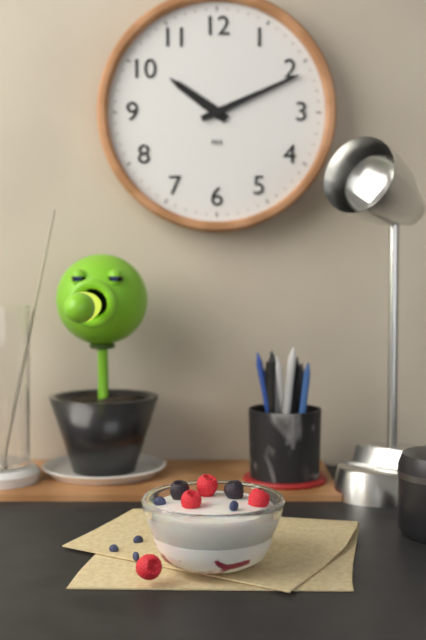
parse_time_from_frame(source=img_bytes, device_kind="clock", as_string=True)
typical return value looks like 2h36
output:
10h11
